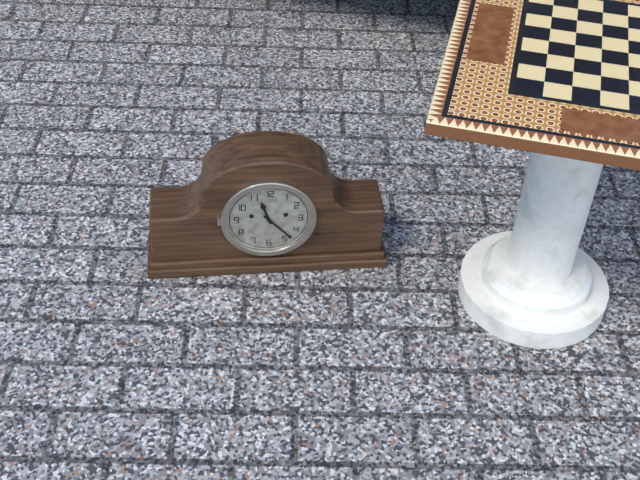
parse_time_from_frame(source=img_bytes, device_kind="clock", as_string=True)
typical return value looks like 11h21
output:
11h23
